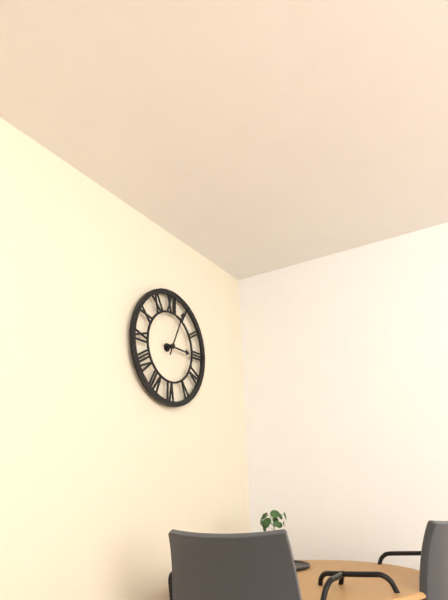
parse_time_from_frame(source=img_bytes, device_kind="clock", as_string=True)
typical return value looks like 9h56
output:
3h04
